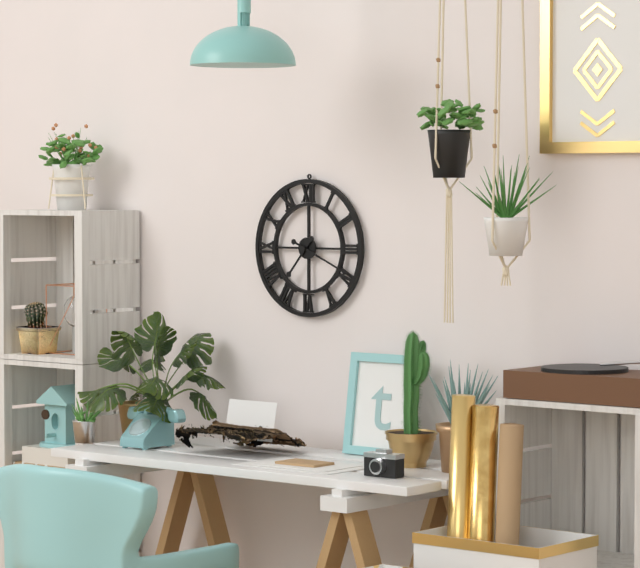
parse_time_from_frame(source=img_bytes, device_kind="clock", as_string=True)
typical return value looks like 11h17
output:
7h19
